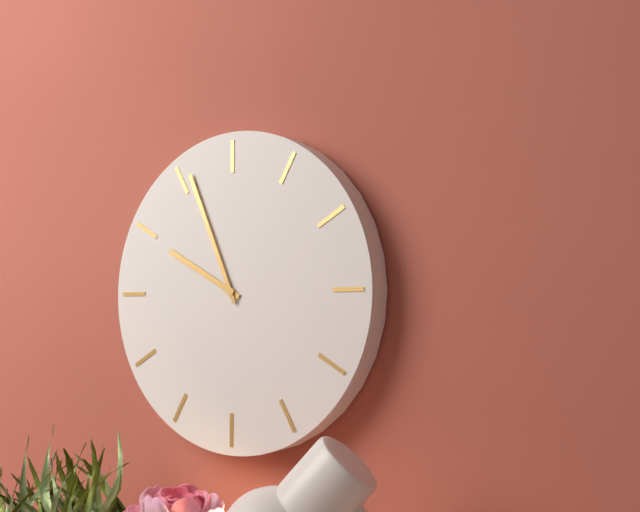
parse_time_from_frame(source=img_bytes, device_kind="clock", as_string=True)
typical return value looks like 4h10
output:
9h56
